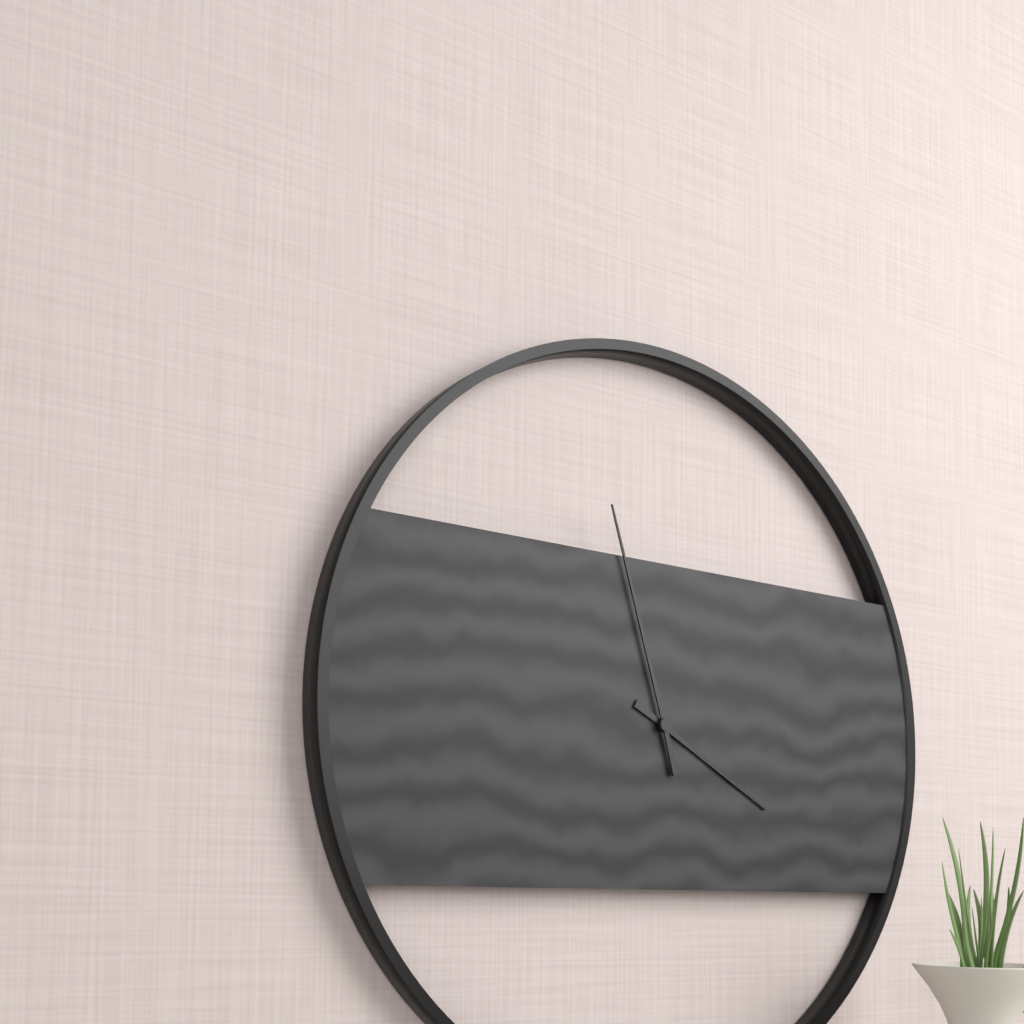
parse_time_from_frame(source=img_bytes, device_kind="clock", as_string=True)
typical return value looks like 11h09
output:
3h57
